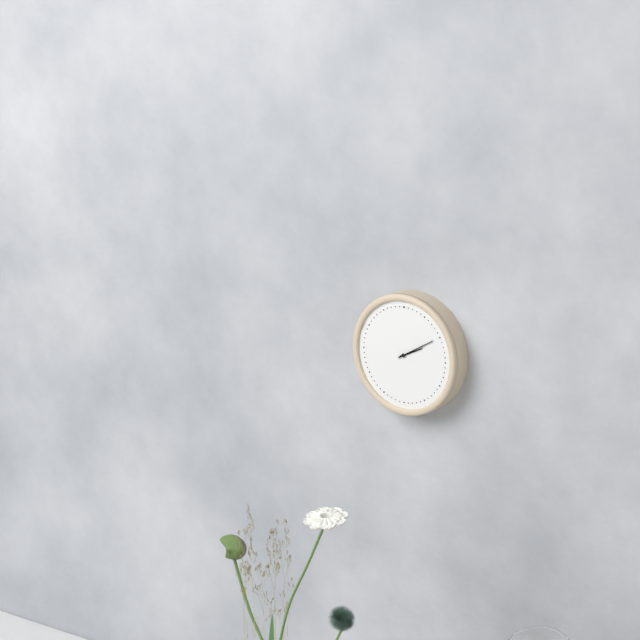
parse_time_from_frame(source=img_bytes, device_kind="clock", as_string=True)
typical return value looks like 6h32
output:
2h10
